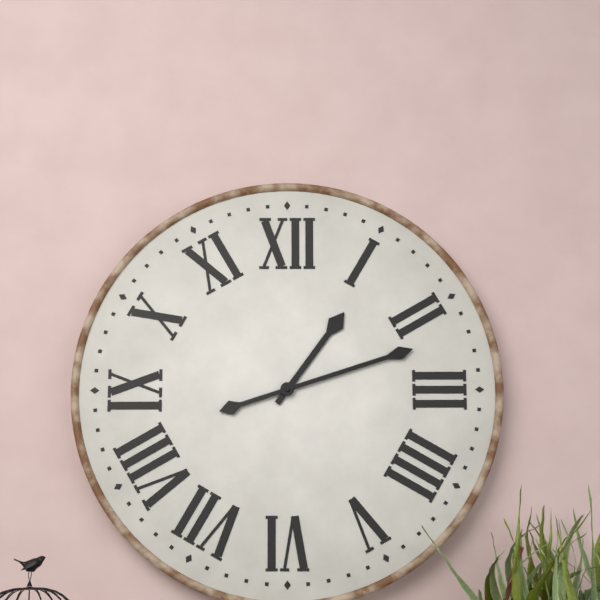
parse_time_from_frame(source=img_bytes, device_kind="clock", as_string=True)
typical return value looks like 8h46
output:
1h12
